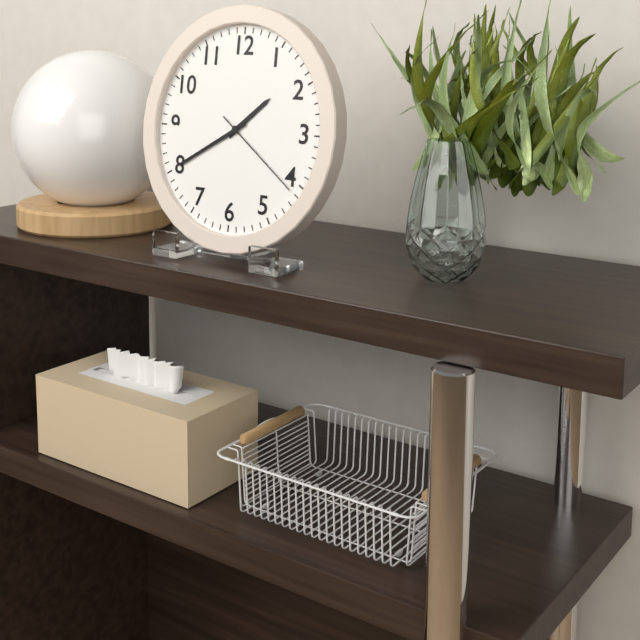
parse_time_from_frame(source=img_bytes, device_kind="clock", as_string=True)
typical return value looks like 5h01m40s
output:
1h40m21s
